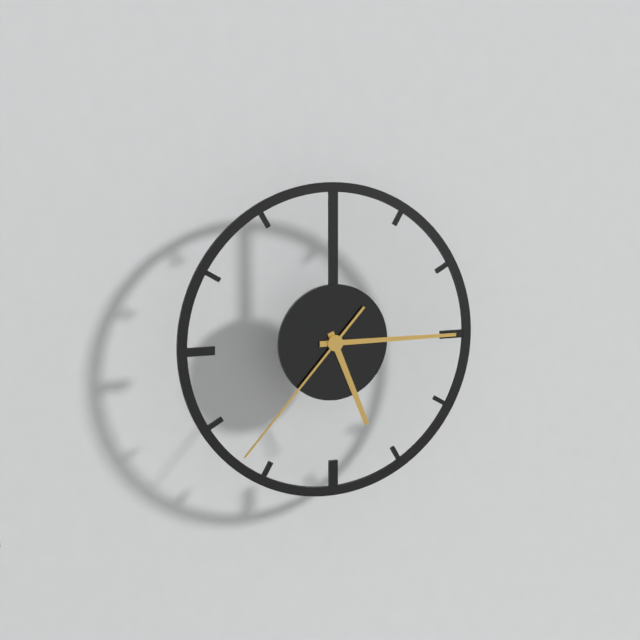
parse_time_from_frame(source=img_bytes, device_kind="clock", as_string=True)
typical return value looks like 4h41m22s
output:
5h15m37s
